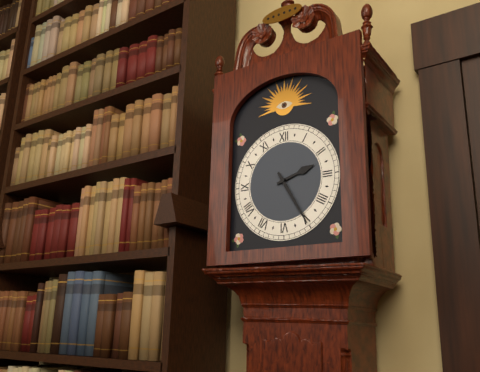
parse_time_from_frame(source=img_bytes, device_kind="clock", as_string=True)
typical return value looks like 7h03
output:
2h25
